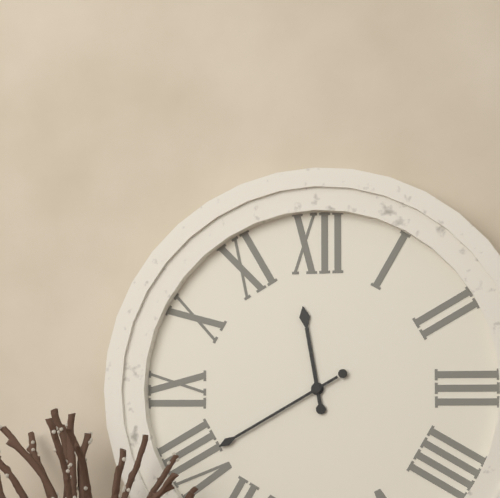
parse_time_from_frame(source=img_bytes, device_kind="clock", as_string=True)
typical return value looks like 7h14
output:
11h40
